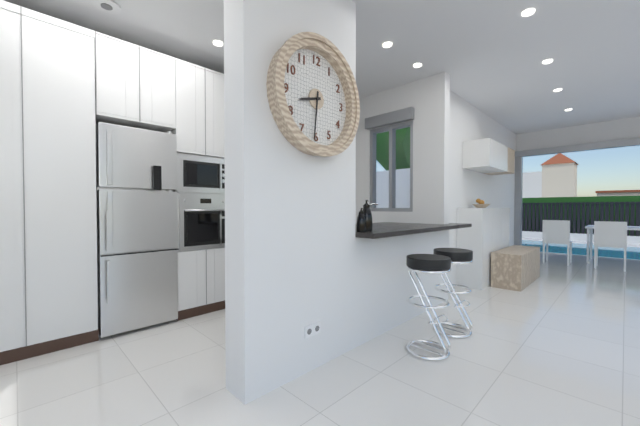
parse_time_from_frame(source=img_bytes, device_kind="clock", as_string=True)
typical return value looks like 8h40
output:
8h31
